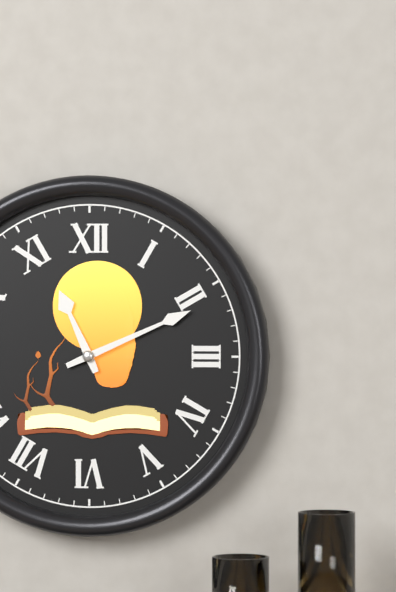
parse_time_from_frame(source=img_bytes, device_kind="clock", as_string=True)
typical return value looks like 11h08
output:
11h11
